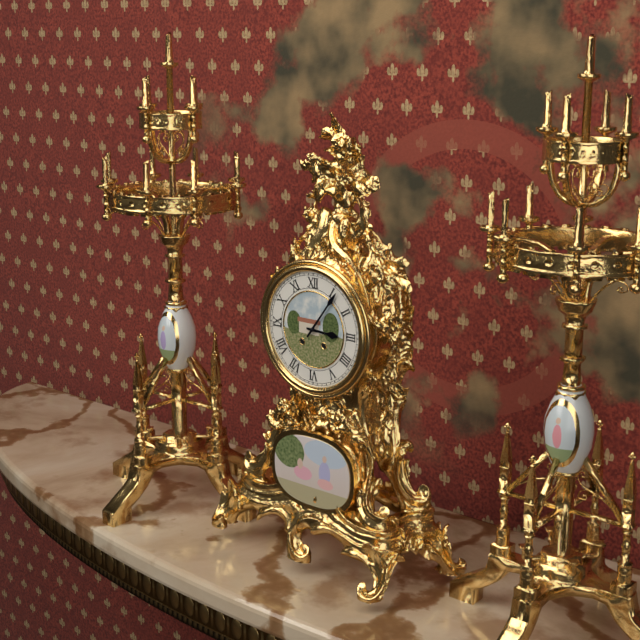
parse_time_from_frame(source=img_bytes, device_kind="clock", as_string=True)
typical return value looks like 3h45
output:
3h06
